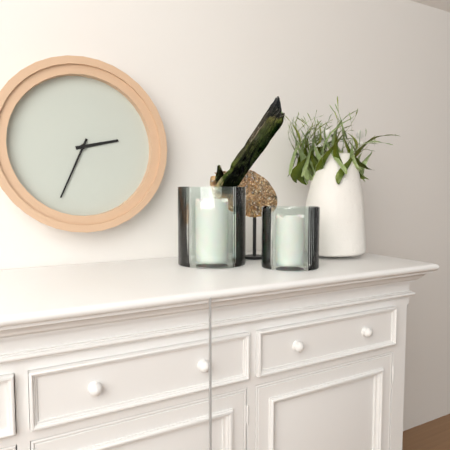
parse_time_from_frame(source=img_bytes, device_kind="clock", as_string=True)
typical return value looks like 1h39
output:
2h34
